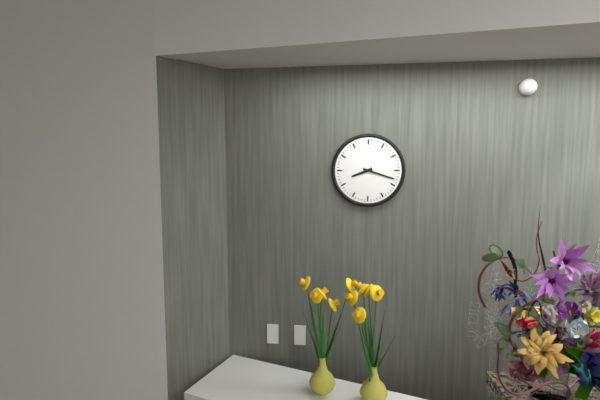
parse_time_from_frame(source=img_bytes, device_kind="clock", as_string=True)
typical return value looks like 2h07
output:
8h18
